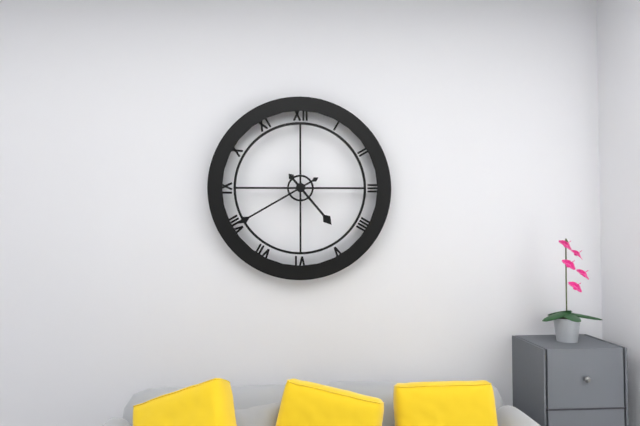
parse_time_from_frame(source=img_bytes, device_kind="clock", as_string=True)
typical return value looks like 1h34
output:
4h40
